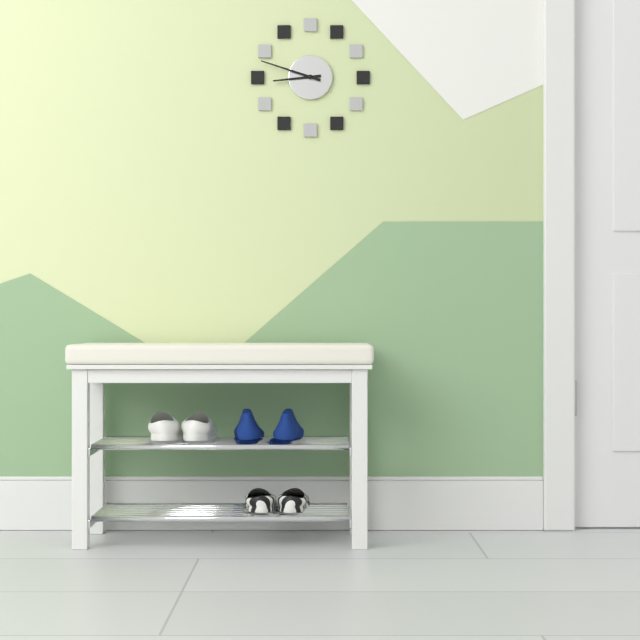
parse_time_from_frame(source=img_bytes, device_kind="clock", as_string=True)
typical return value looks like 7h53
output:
8h48
